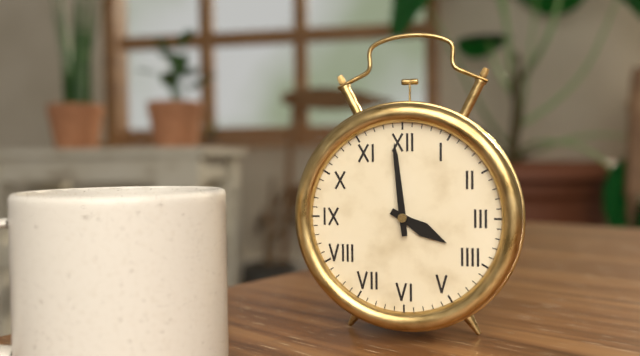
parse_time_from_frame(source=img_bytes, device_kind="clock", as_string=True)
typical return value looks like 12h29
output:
3h59
